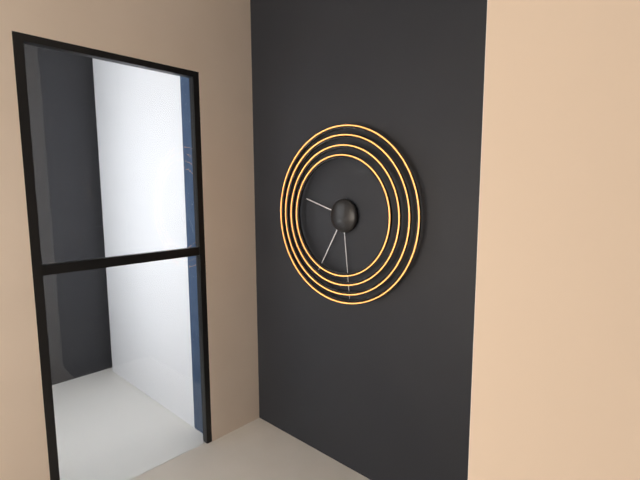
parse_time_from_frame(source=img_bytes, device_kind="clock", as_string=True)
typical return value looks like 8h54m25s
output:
9h35m29s
